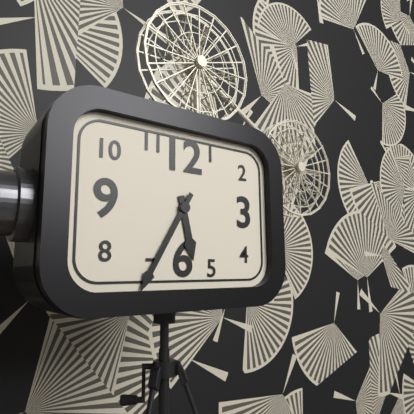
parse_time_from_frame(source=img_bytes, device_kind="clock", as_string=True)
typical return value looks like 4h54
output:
5h35
